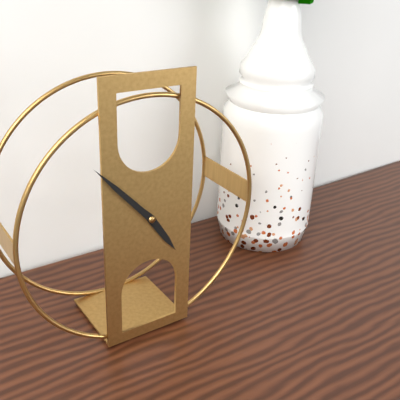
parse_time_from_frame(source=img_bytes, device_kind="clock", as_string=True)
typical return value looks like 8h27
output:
4h53
